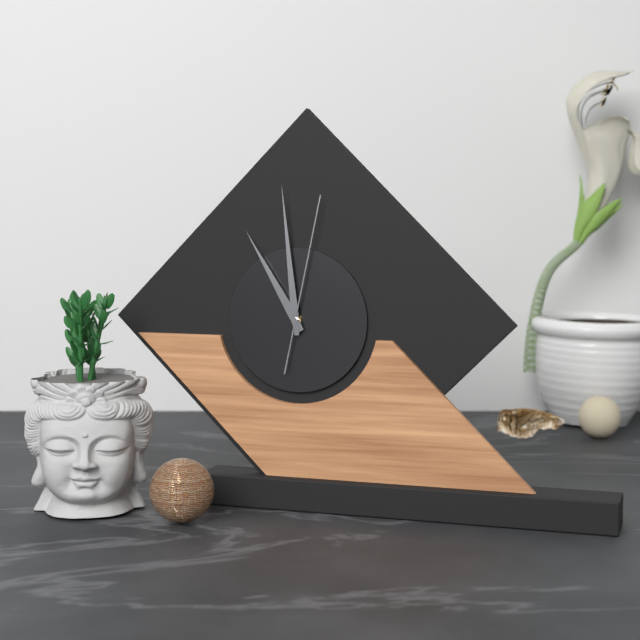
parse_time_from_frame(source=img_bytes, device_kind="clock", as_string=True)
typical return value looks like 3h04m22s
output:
10h59m02s
